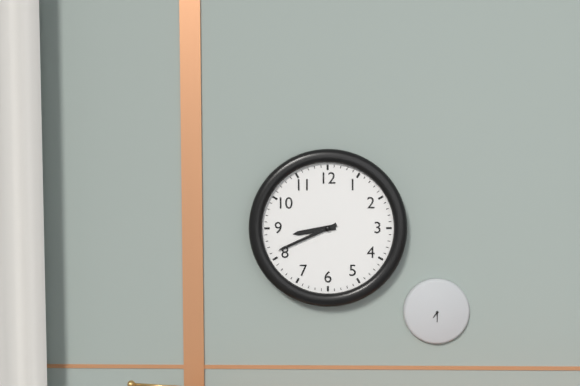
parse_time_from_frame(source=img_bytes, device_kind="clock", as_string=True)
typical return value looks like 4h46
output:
8h41
